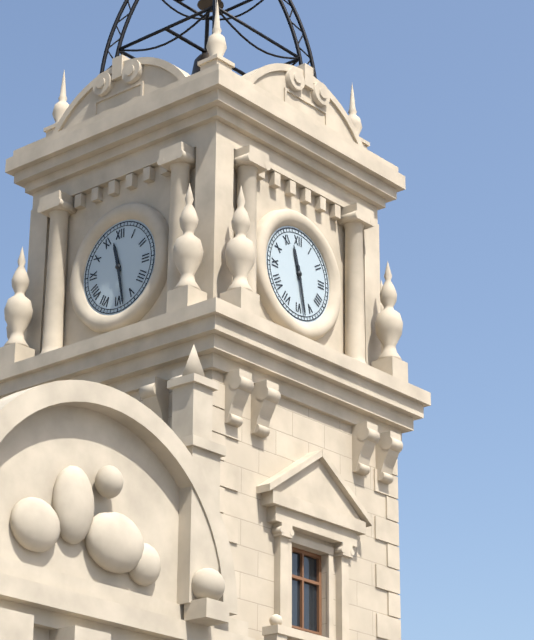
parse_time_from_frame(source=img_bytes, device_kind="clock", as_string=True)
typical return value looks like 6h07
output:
11h28
